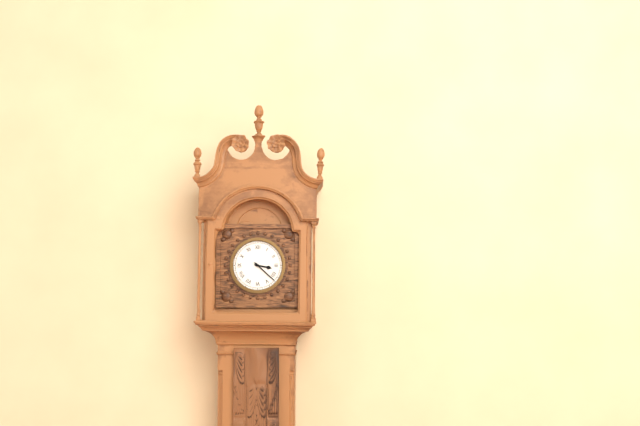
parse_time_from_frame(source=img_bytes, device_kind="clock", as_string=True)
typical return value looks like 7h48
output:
3h22
